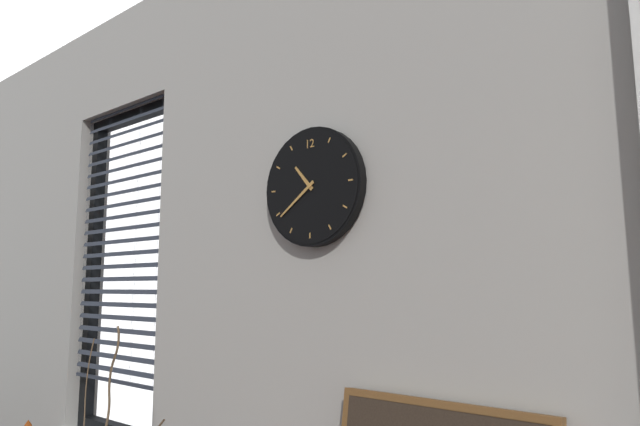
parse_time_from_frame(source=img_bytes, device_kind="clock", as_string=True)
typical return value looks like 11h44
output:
10h39
